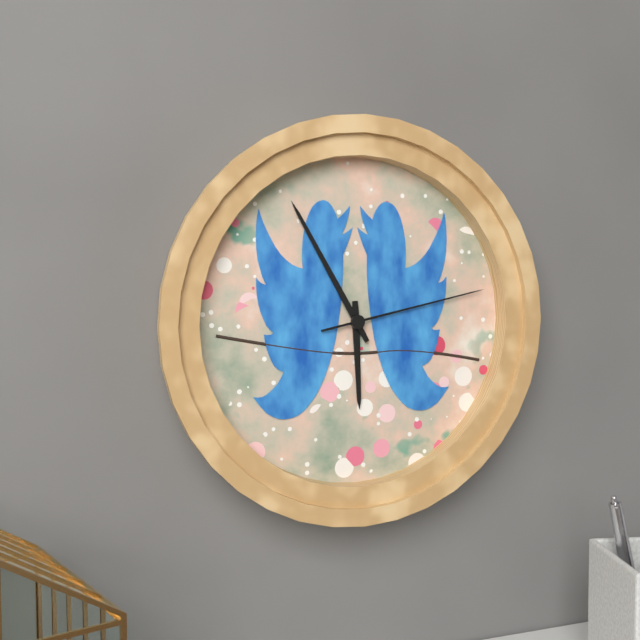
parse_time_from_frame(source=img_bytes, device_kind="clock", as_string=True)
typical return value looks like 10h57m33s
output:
5h55m13s
